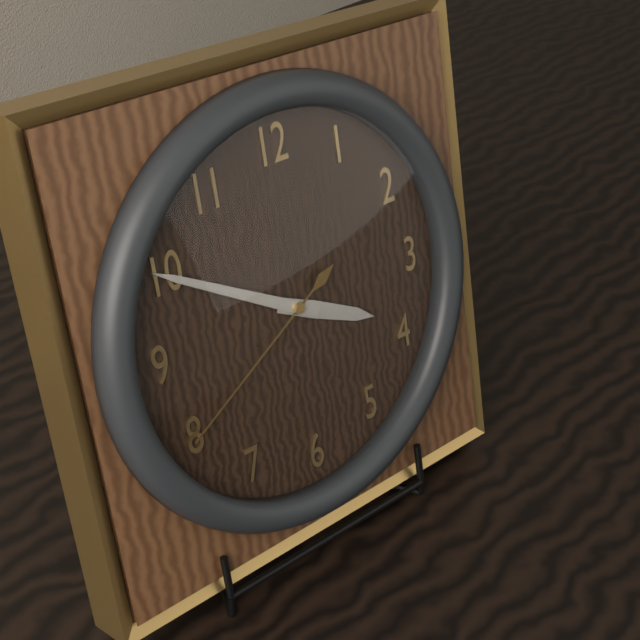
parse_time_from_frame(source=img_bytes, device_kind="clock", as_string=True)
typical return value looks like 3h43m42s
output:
3h50m40s
